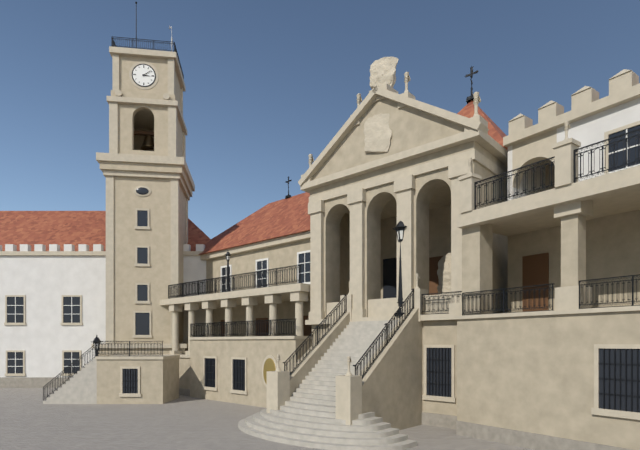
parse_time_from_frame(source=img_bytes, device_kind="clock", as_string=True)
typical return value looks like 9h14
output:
3h09
